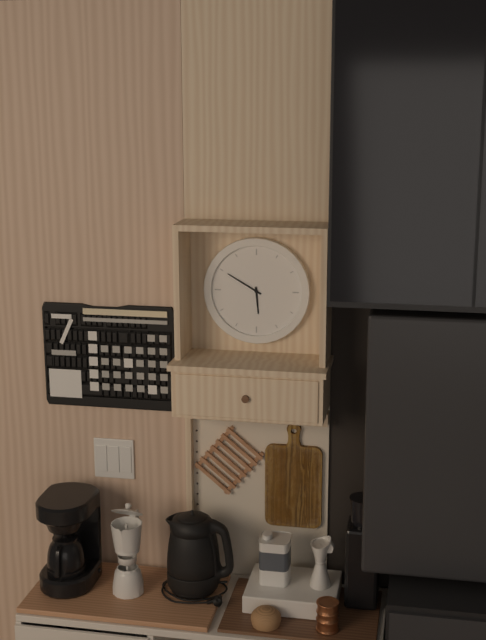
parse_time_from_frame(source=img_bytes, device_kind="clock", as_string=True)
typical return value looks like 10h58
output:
5h50
